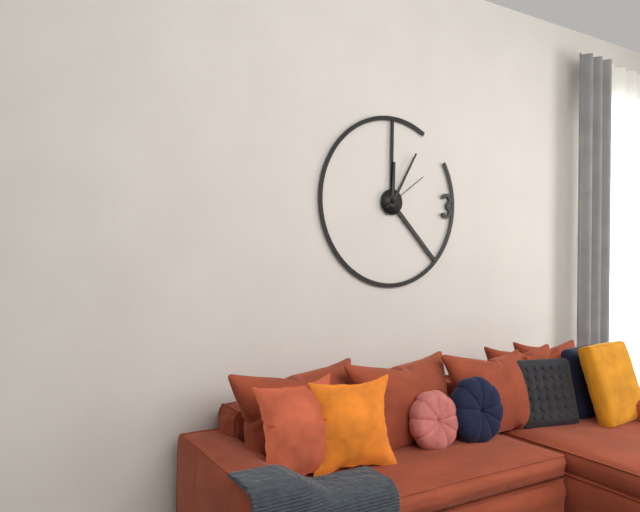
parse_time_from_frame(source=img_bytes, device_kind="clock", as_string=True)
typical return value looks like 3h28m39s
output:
12h05m09s
